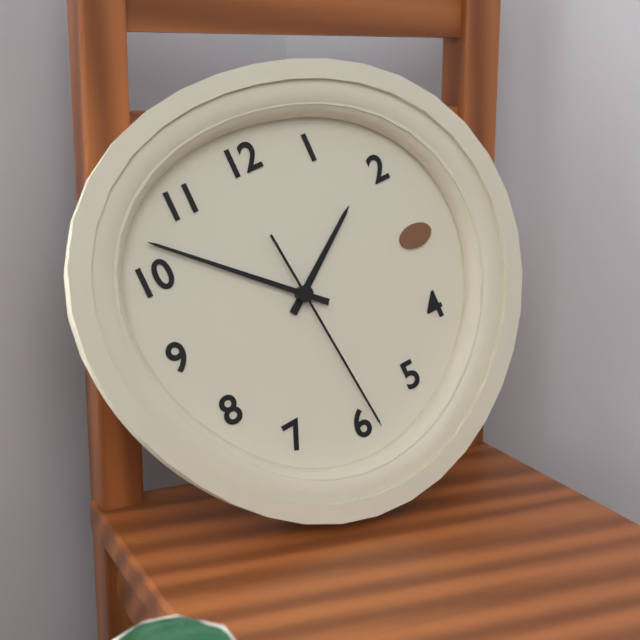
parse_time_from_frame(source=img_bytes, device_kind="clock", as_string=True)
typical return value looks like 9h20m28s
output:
1h52m29s
